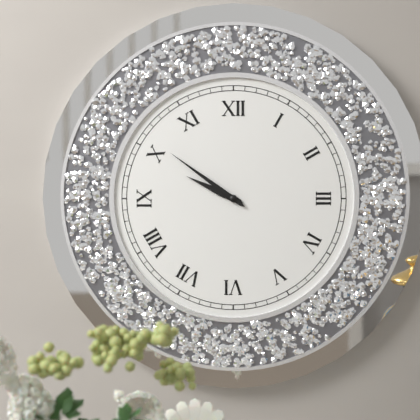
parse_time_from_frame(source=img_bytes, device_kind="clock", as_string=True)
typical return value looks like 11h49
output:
9h51
